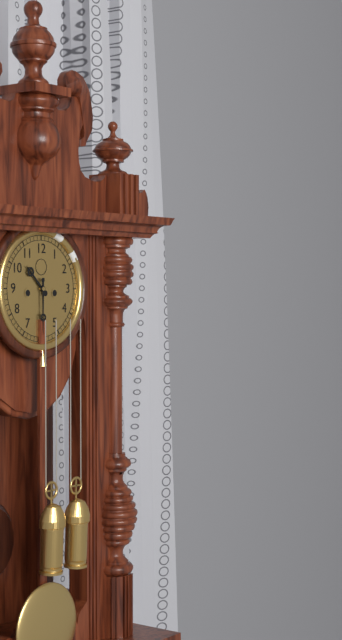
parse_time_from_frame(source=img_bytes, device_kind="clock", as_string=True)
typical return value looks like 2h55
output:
10h30
